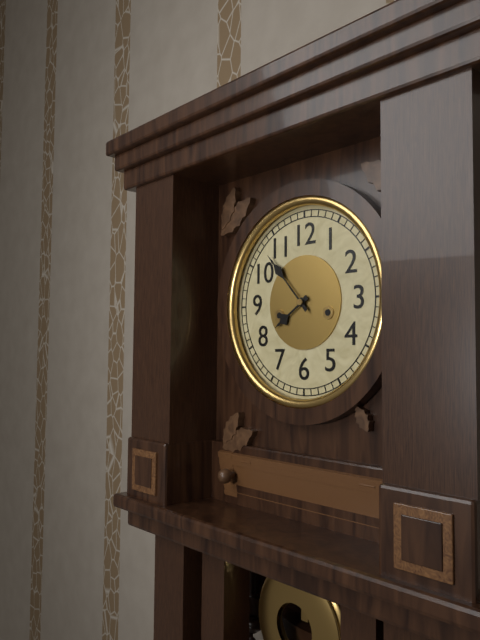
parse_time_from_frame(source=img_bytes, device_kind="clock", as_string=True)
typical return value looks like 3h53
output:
7h53
